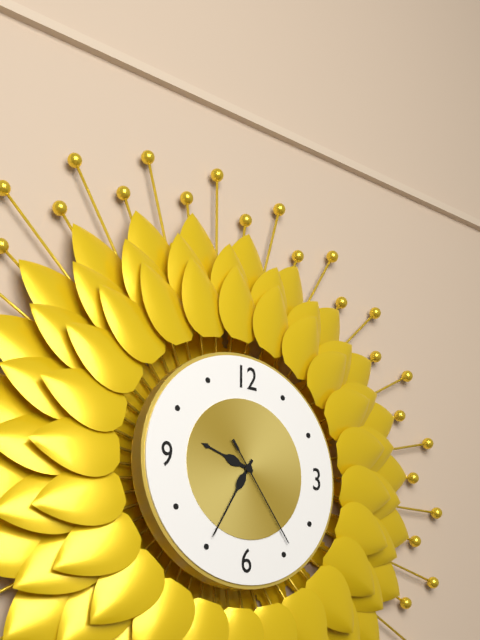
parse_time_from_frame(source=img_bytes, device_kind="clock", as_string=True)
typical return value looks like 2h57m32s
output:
9h35m24s
